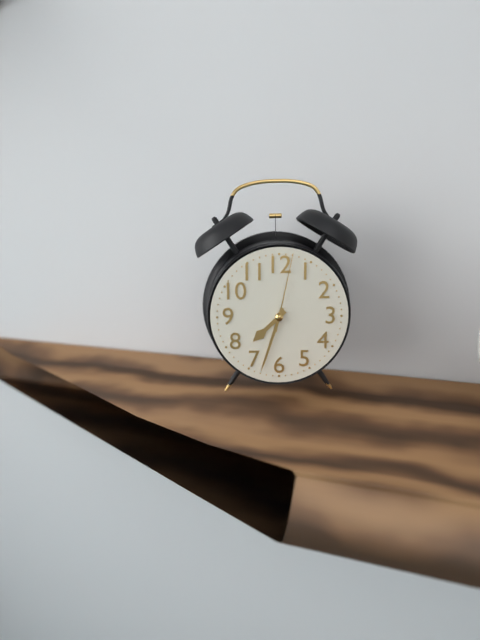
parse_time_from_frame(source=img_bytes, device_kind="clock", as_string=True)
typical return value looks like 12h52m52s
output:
7h33m02s
